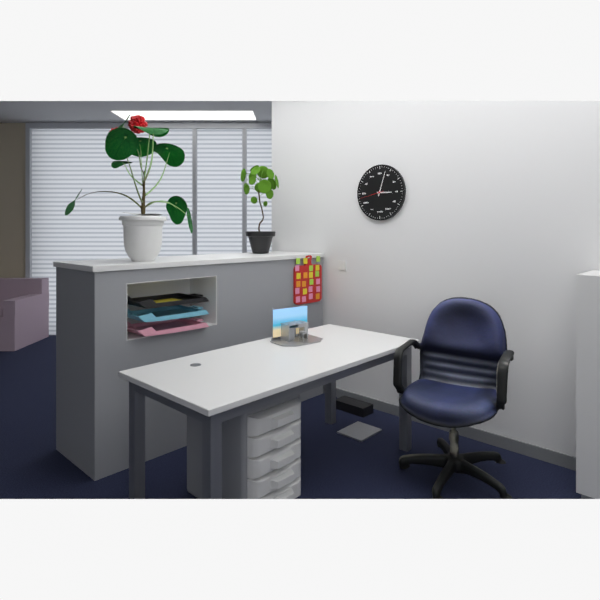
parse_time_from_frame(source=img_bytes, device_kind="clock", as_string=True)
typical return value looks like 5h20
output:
3h03
